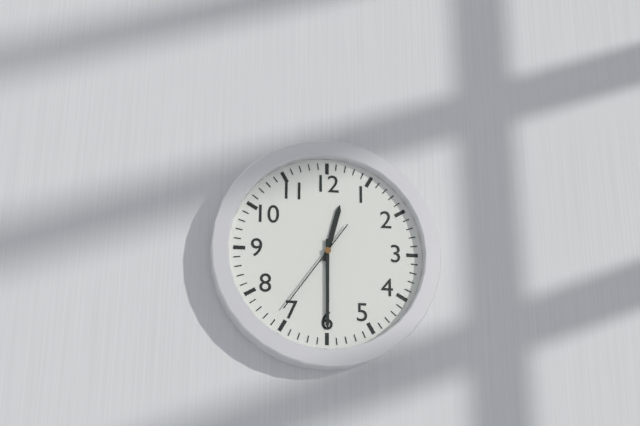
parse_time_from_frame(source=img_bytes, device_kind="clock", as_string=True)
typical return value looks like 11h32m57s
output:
12h30m36s
